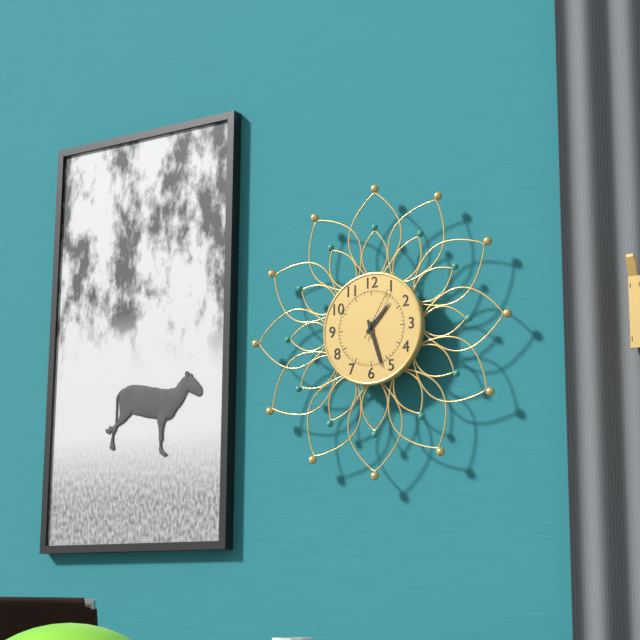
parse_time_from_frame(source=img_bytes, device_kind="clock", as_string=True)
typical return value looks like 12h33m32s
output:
1h27m05s
